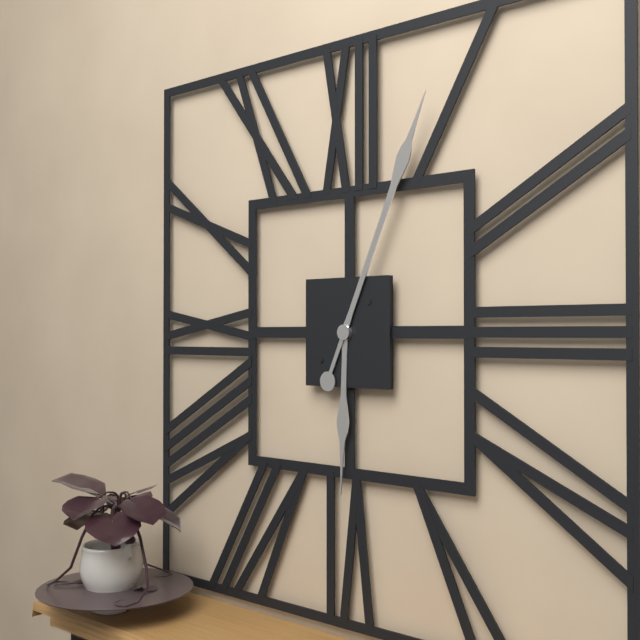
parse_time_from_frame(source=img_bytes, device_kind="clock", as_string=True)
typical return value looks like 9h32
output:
6h04
